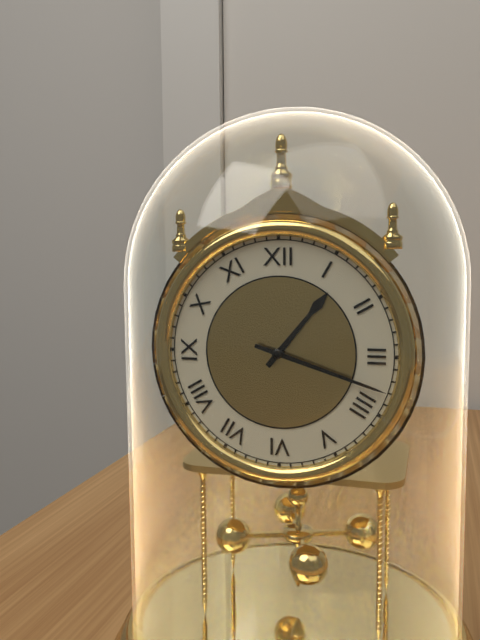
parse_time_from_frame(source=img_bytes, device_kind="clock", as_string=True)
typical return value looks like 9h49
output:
1h18
